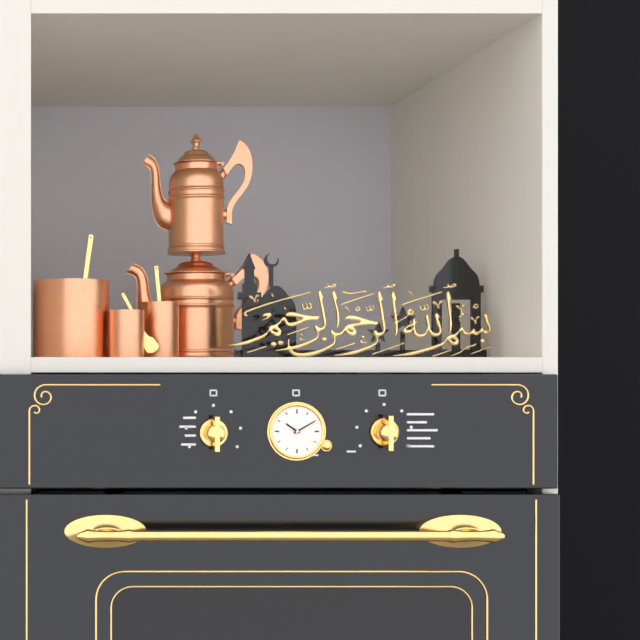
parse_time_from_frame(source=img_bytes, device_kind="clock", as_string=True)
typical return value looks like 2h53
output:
10h10
